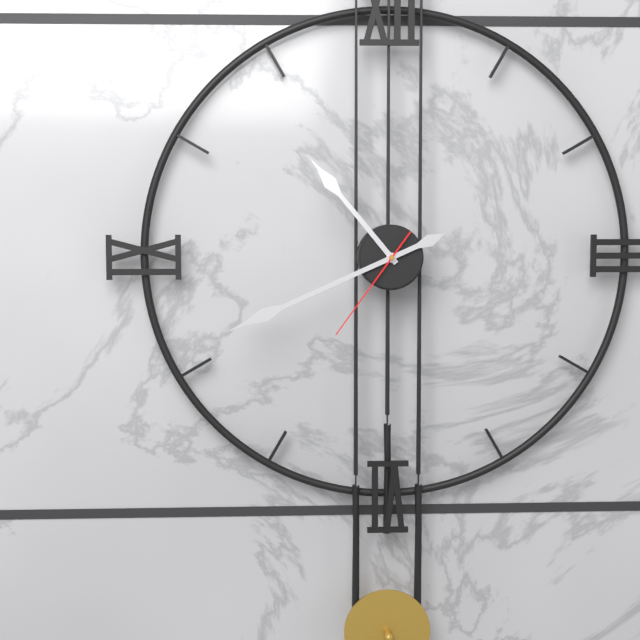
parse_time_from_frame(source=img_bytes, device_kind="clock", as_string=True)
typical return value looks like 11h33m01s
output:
10h41m36s
